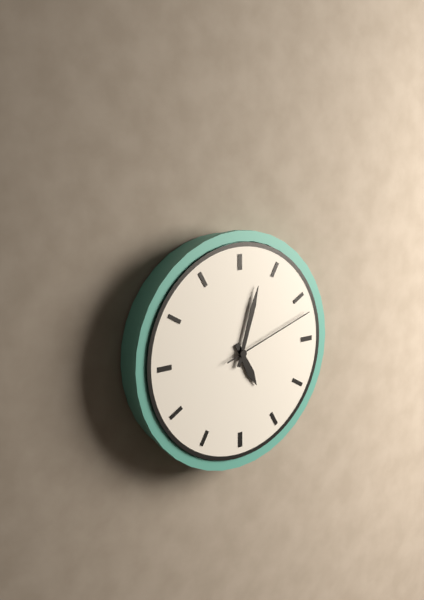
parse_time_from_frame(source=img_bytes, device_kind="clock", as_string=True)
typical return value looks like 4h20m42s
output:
5h03m12s
